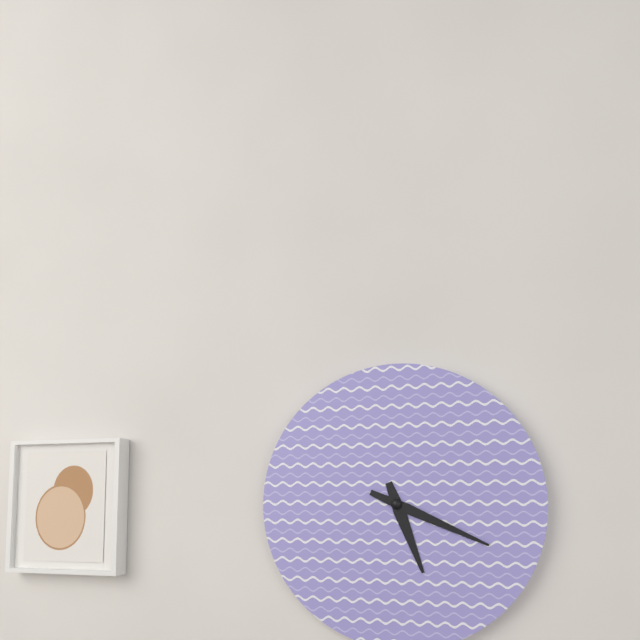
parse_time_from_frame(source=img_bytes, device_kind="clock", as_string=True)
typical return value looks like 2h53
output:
5h19
